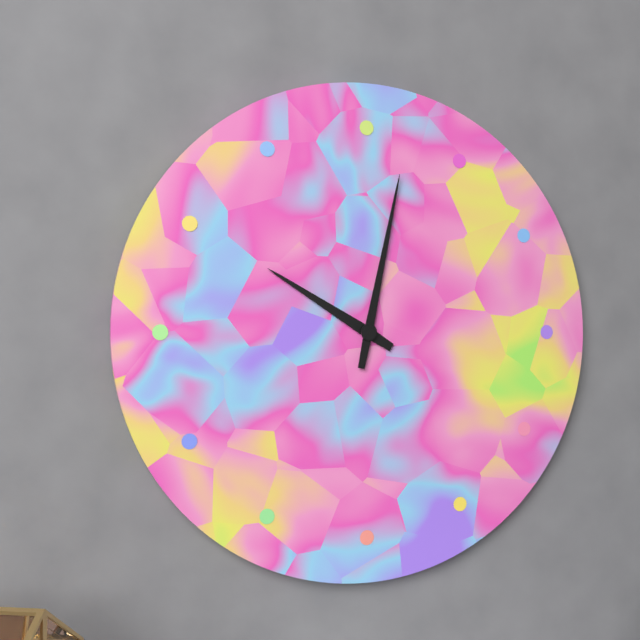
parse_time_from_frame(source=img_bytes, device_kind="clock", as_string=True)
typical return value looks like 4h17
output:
10h02
